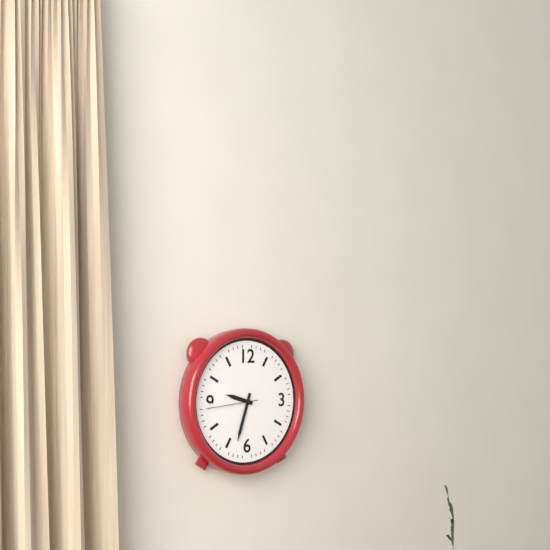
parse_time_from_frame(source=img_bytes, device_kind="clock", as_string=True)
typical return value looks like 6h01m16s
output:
9h33m44s
